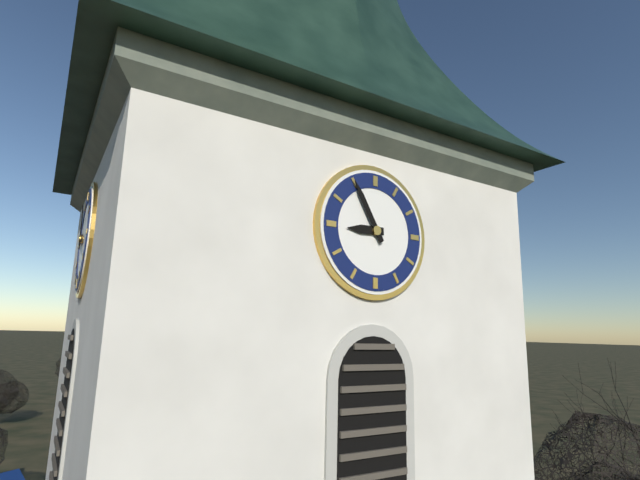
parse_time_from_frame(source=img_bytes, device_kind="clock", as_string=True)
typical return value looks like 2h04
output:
8h55
